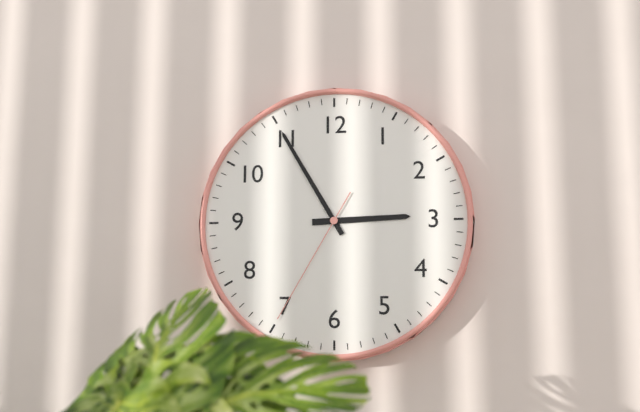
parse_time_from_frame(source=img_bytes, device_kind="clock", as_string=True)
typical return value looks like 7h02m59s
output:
2h55m35s
